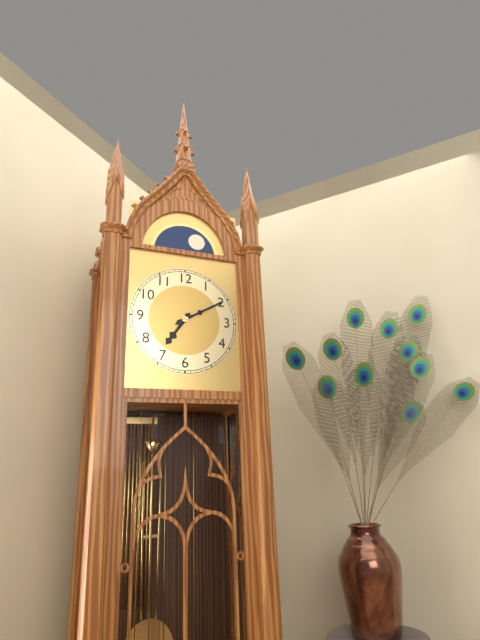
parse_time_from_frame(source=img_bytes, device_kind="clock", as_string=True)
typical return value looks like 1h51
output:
7h10
